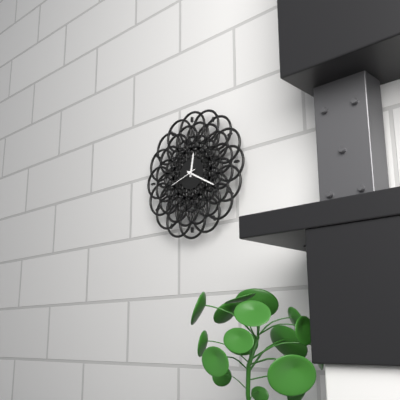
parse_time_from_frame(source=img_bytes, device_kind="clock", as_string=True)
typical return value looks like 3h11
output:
12h20
